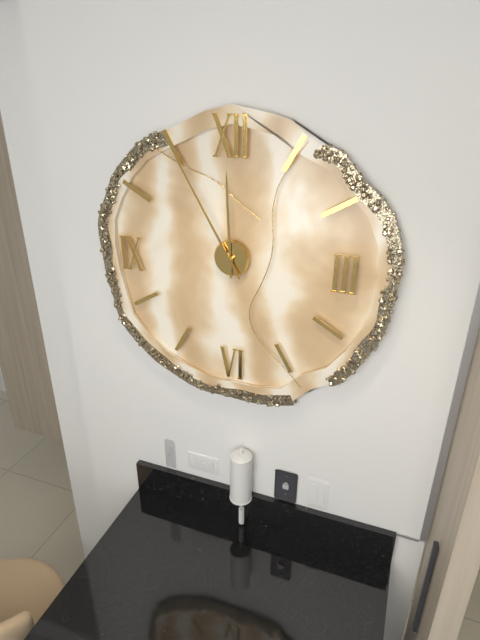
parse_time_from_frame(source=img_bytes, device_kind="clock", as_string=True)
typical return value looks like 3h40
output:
11h55
